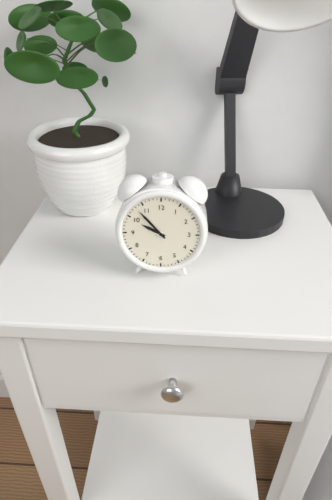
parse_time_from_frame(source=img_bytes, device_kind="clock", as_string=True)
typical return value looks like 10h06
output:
9h53
